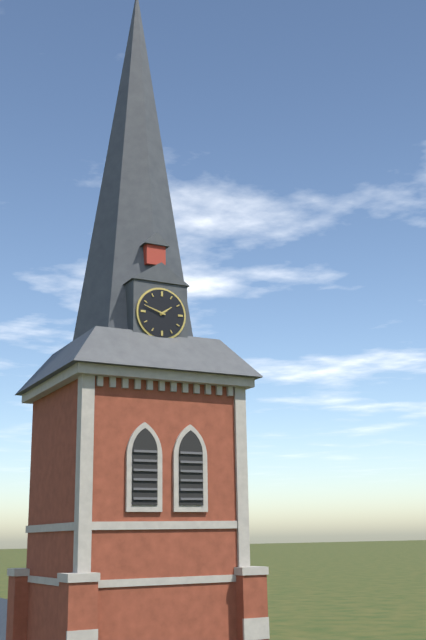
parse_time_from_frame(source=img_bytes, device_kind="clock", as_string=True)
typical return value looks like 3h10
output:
1h48
